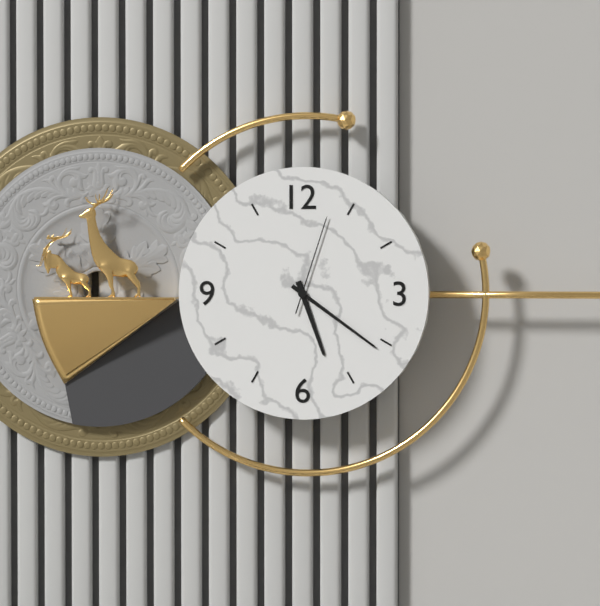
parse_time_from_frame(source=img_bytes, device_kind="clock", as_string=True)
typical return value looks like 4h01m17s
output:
5h21m03s
